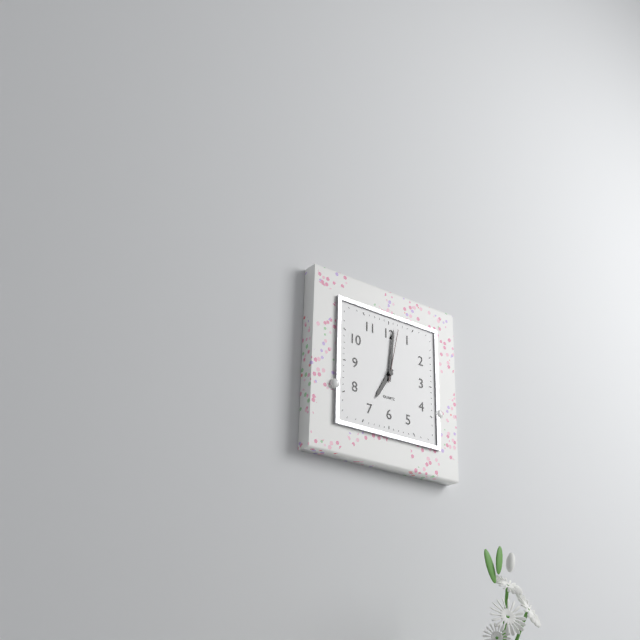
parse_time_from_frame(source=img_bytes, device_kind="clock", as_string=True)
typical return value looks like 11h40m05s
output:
7h01m02s
